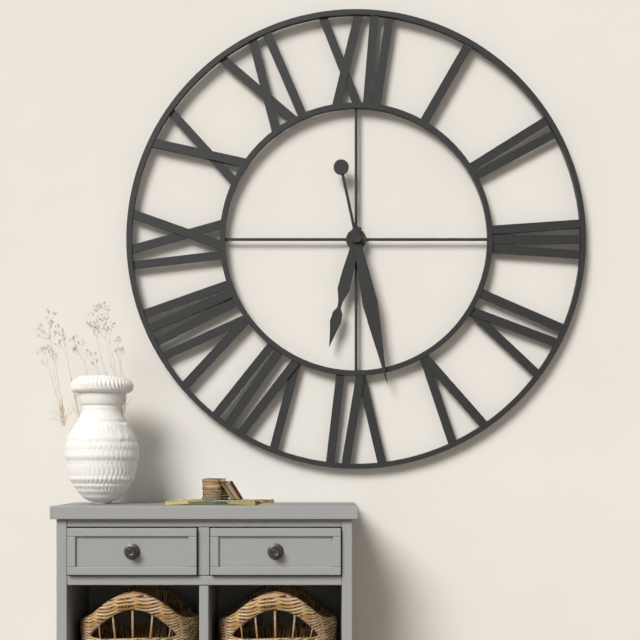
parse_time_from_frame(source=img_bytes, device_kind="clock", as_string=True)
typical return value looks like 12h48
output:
6h28
